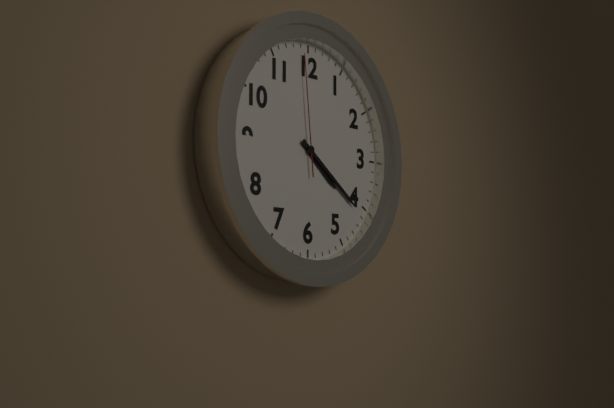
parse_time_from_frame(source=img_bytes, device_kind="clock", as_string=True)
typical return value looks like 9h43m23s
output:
4h21m59s
